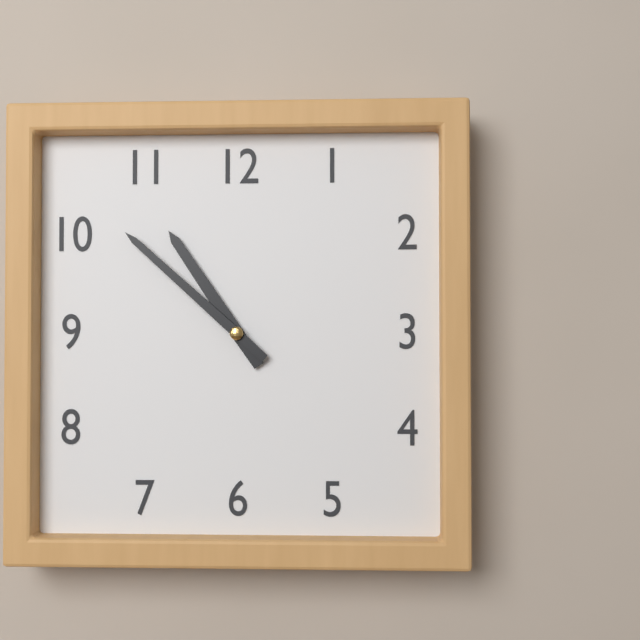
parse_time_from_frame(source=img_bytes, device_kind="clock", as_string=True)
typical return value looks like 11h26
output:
10h52
